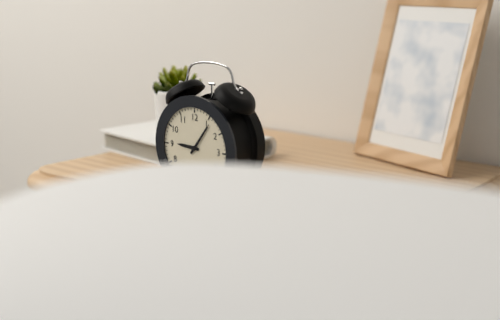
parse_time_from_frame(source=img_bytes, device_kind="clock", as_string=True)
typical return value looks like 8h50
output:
9h06
